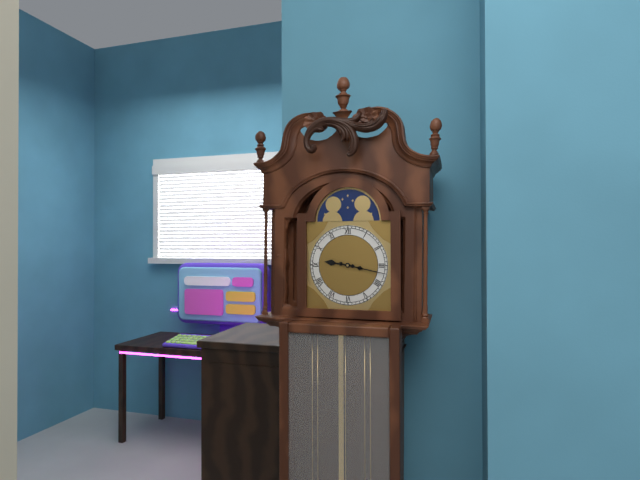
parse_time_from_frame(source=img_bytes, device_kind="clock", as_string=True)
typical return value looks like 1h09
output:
9h17
